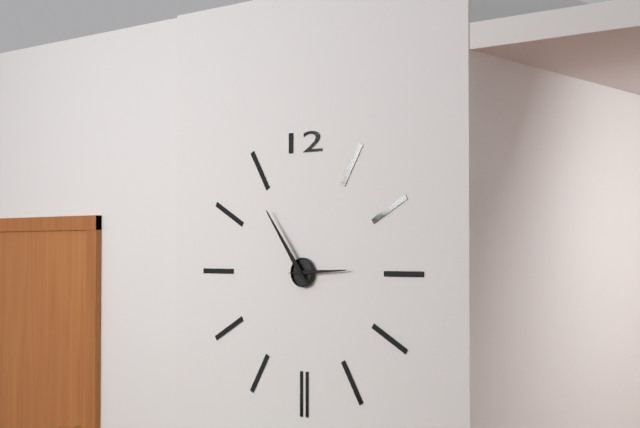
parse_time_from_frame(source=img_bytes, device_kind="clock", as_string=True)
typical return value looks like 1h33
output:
2h54
